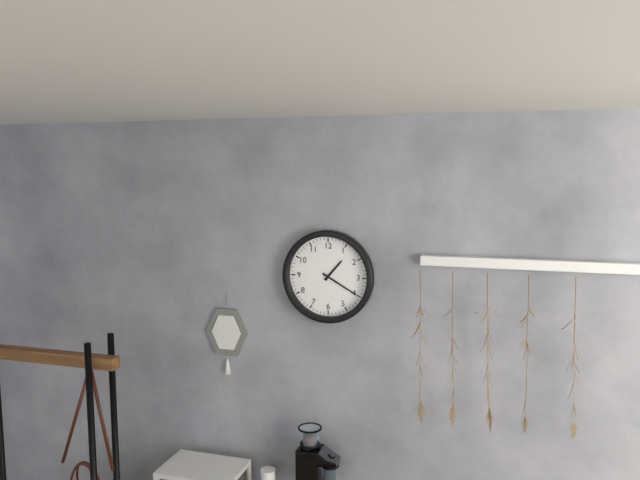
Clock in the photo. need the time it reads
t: 1:20
